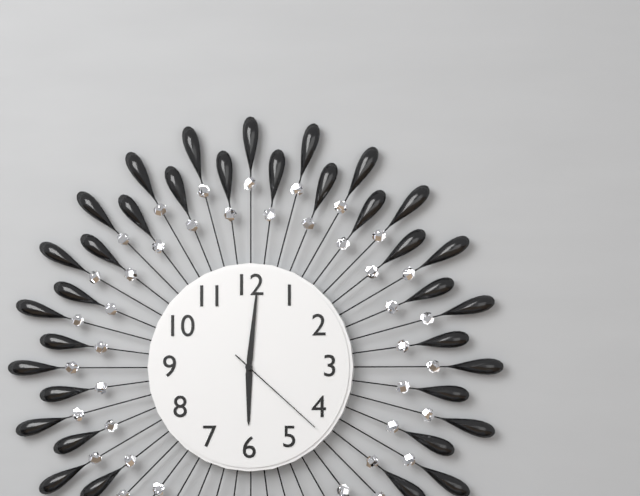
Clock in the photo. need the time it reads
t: 6:01:22
